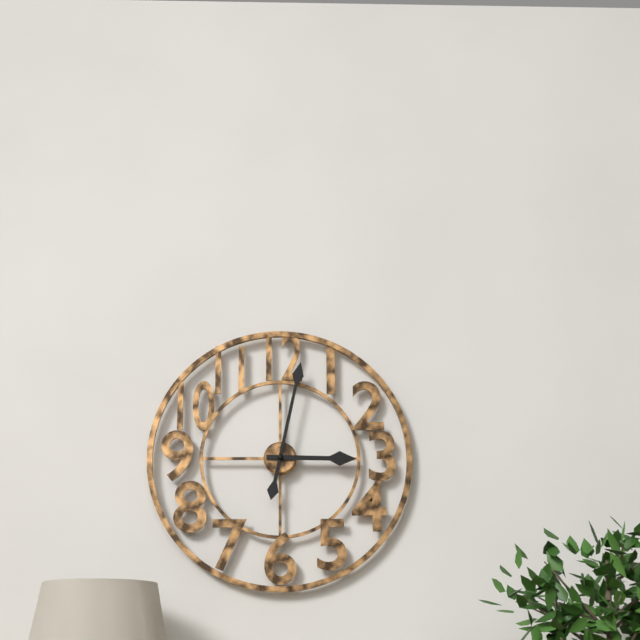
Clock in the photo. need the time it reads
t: 3:02
